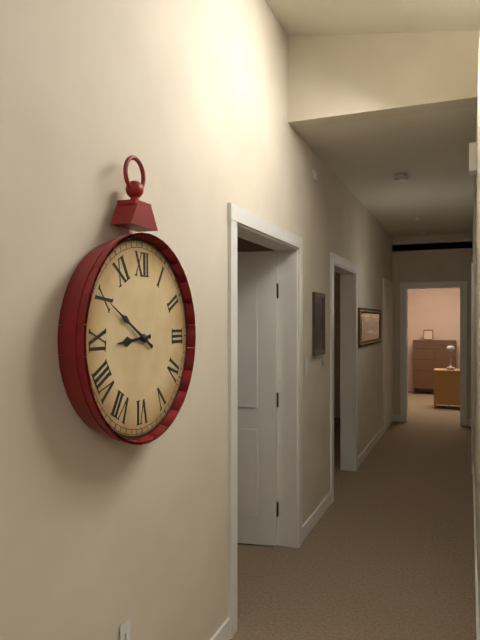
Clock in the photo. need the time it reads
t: 8:50
